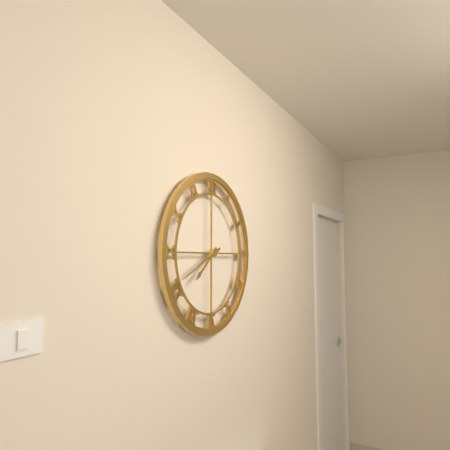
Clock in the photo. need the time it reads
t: 7:41
